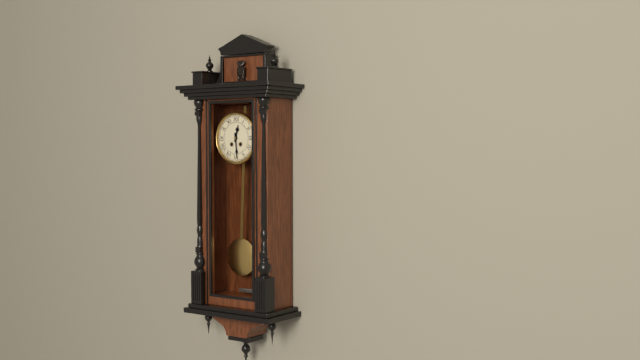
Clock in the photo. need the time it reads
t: 12:29
